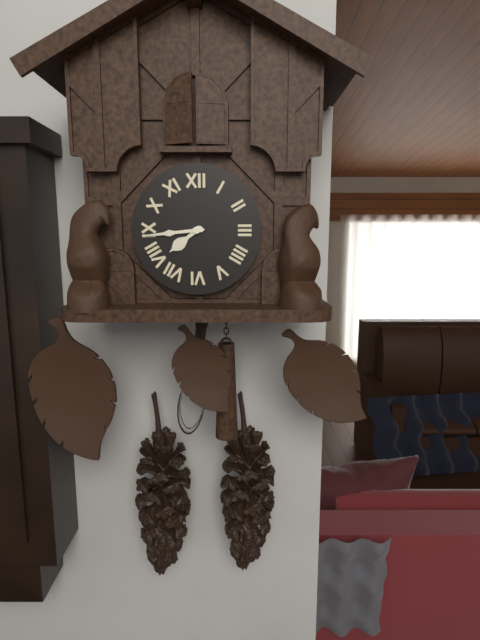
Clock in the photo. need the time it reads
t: 7:44
